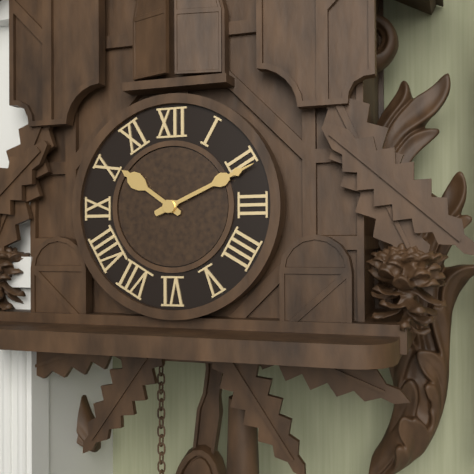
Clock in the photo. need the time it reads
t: 10:11
